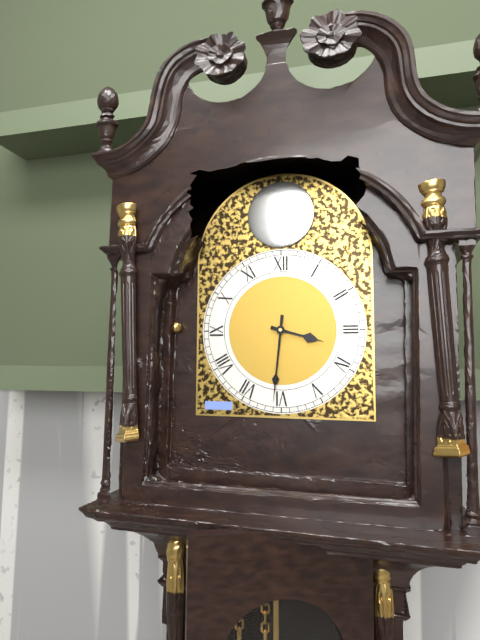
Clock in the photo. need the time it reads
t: 3:31
